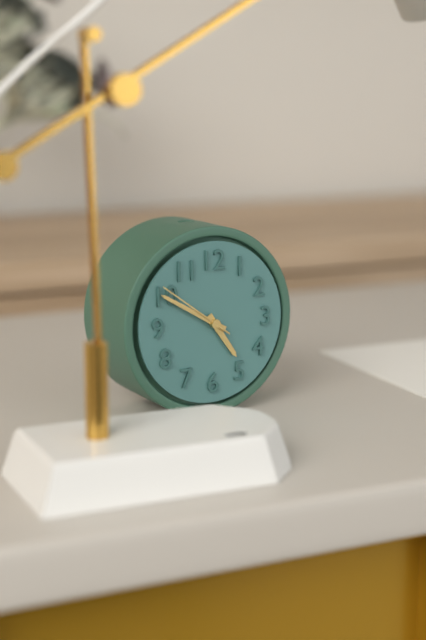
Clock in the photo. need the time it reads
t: 4:50:51
